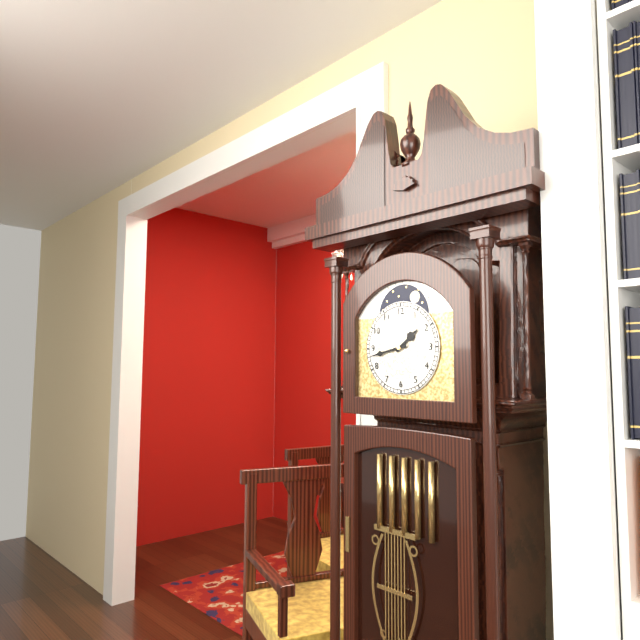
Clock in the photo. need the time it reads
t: 1:43
